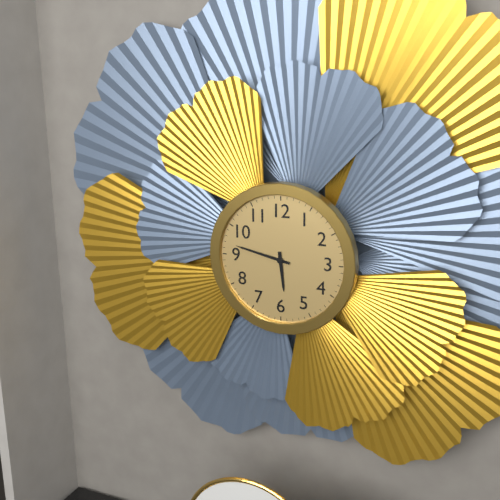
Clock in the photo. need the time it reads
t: 5:47
